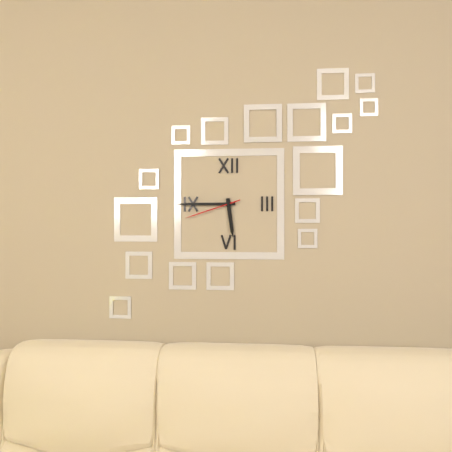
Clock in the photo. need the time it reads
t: 5:45:42
